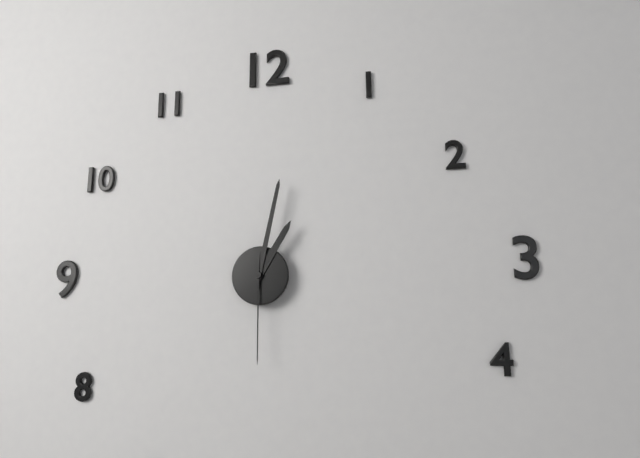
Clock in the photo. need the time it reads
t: 1:02:30
